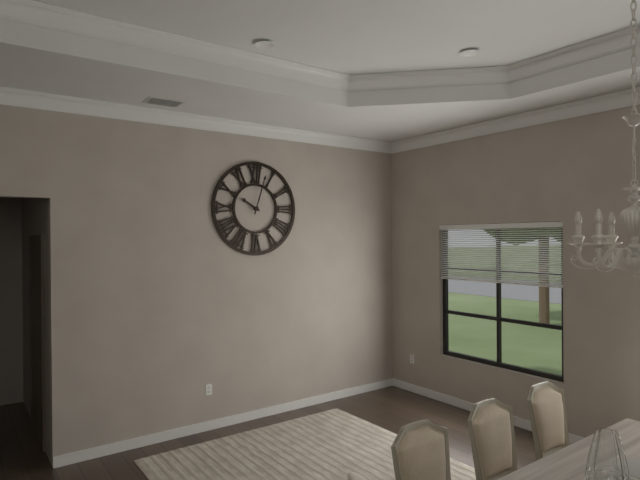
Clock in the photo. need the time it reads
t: 10:03
